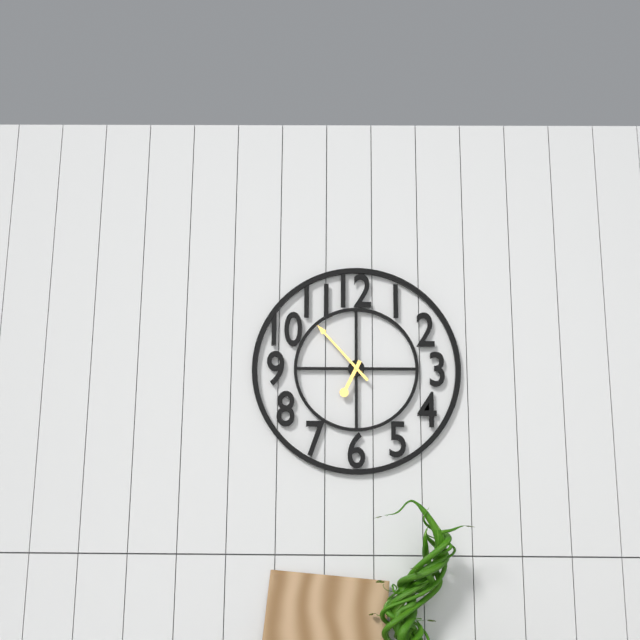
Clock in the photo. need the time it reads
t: 6:53
